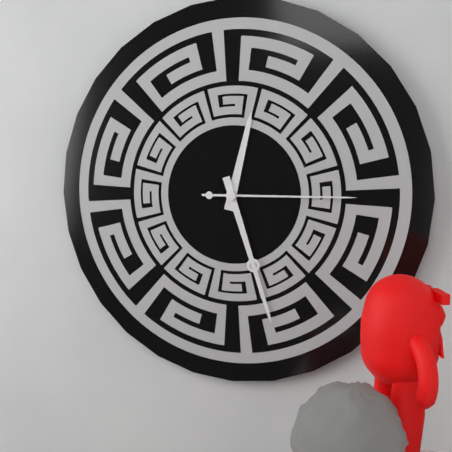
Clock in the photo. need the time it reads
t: 12:27:15
